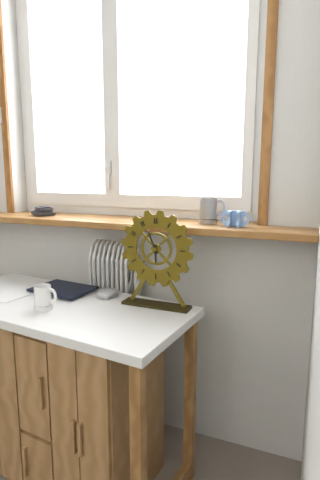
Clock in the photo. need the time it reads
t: 5:56
